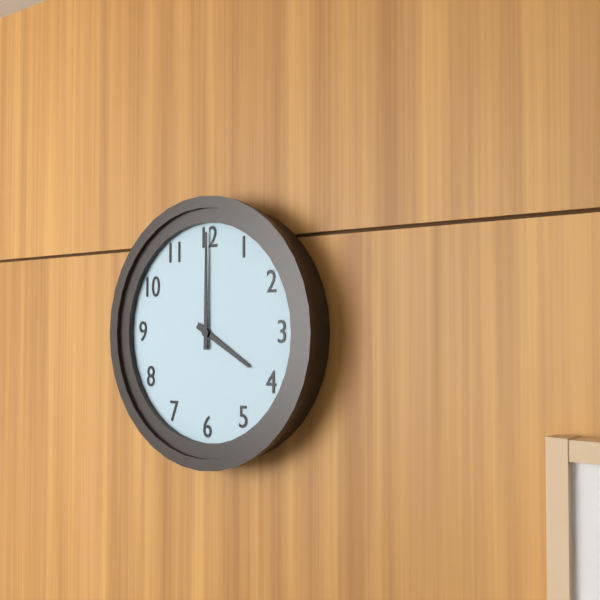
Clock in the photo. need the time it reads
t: 4:00
